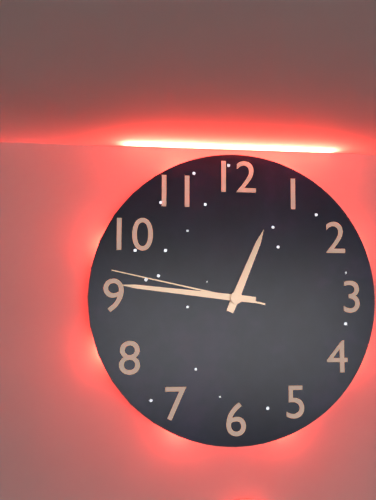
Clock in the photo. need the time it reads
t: 12:46:47
